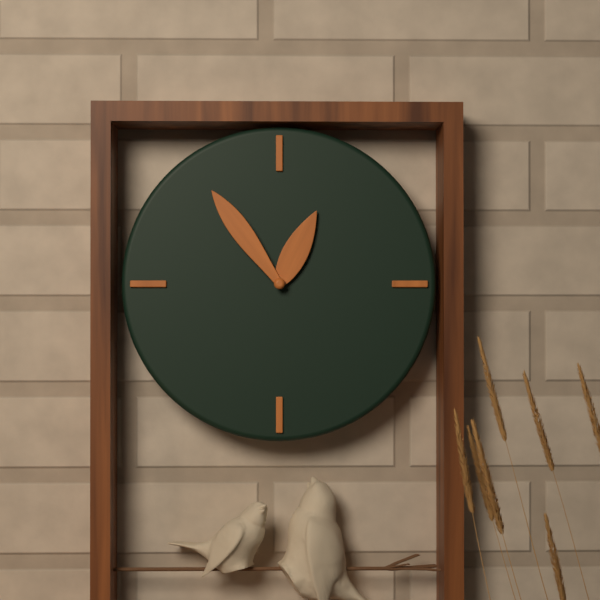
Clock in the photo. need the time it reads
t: 12:54
